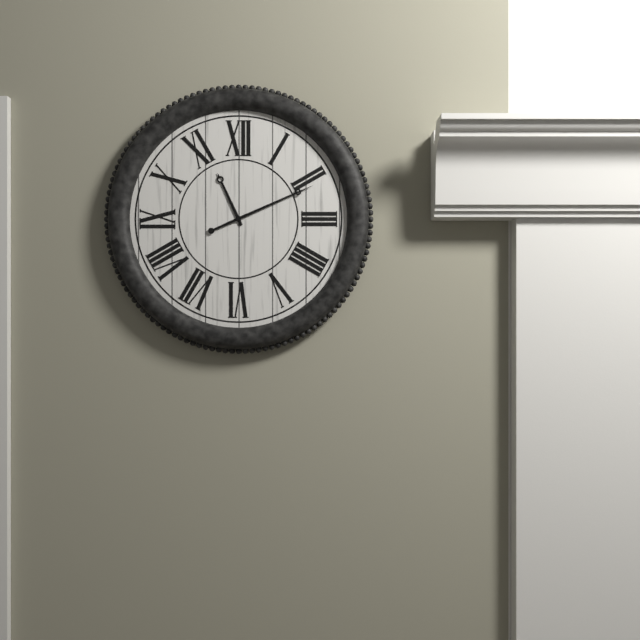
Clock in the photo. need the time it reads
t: 11:11
